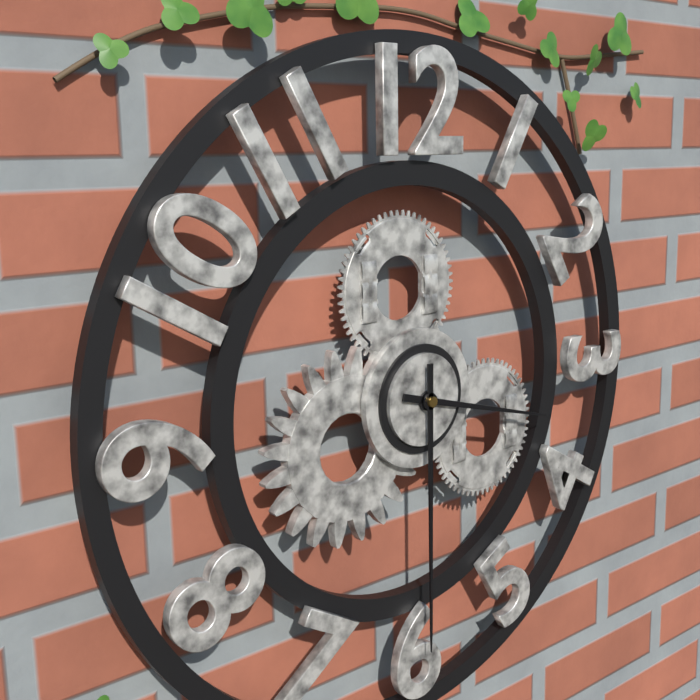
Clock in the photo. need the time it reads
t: 3:30
